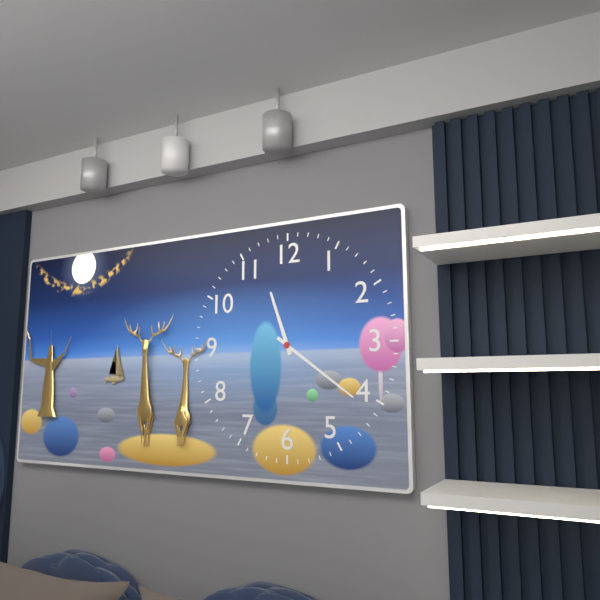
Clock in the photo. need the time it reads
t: 11:21
